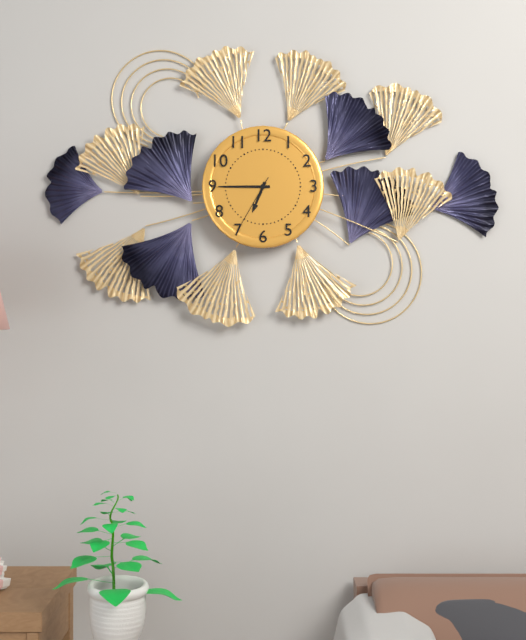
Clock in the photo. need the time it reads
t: 6:45:35
